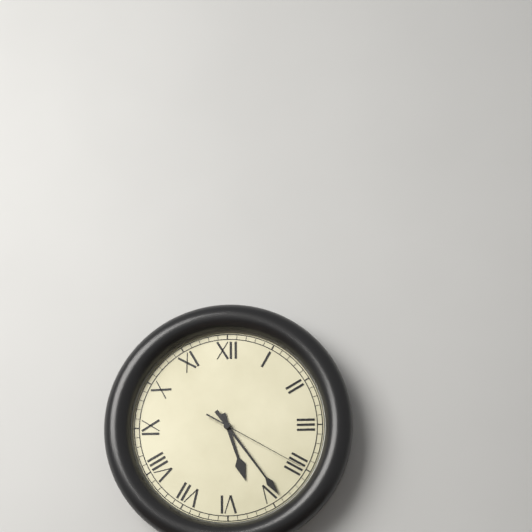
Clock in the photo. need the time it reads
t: 5:24:20
